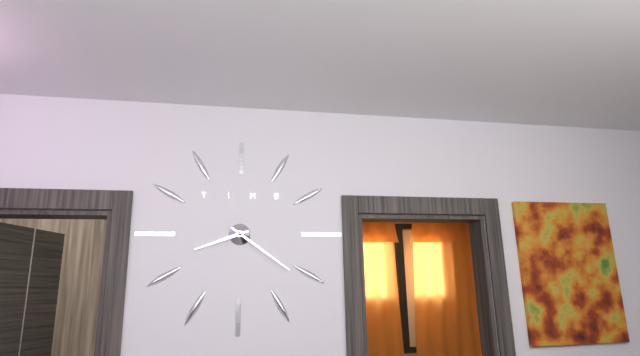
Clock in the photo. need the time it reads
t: 8:21
